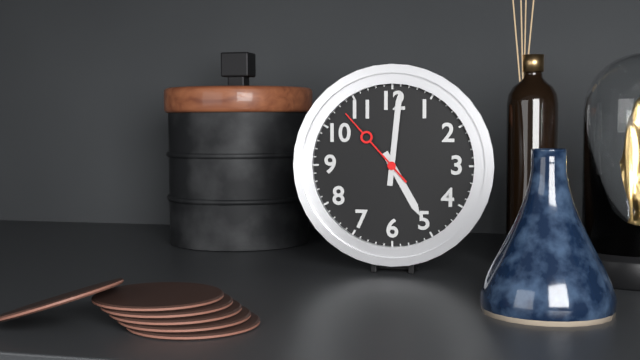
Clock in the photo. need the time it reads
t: 5:01:53
